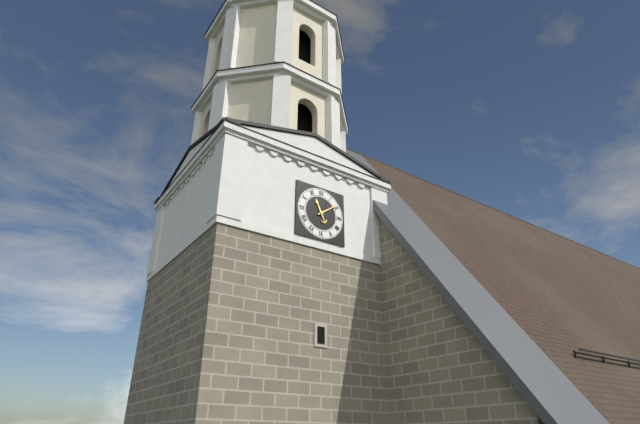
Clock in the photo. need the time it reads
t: 11:09
